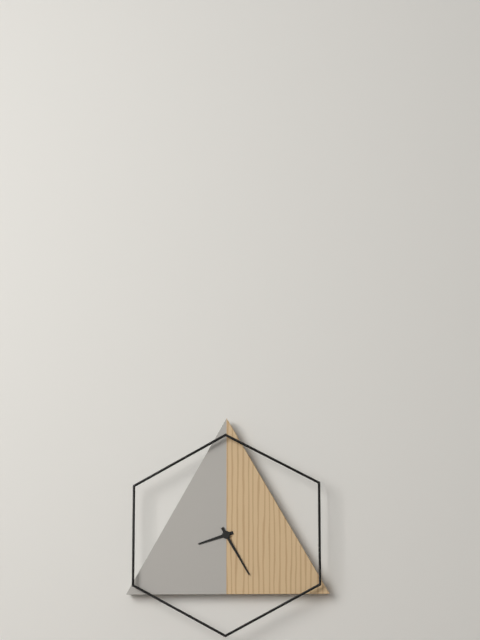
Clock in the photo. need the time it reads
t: 8:25
